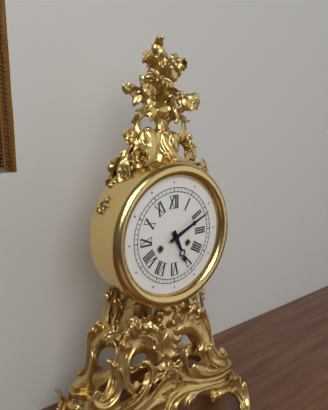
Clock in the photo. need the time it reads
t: 5:11
